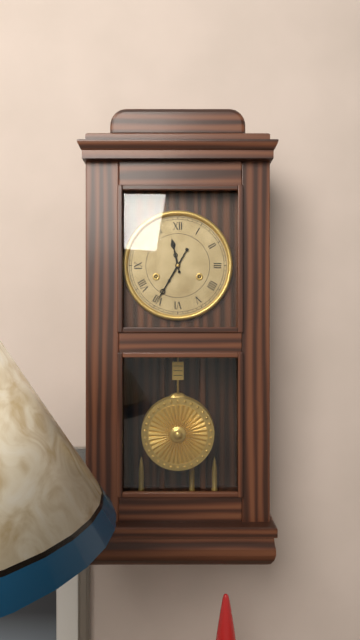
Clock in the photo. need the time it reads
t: 11:35
